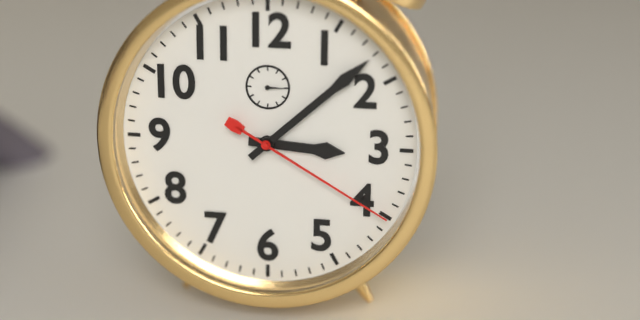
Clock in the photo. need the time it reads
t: 3:08:20
